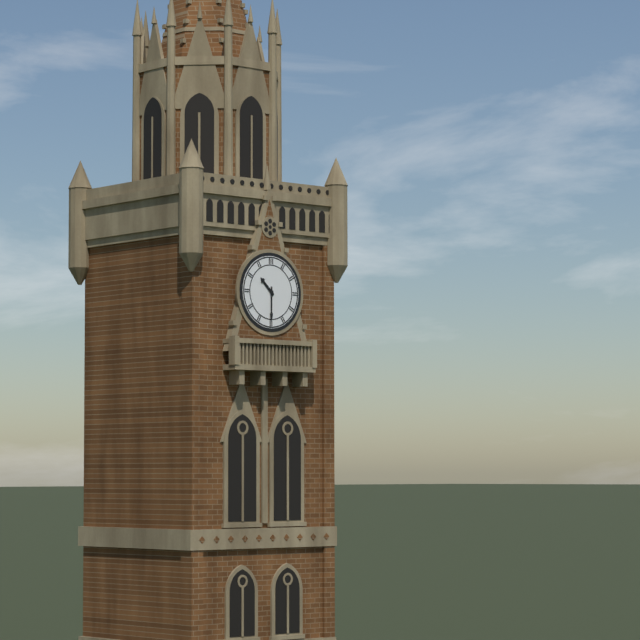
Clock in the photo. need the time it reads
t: 10:30
